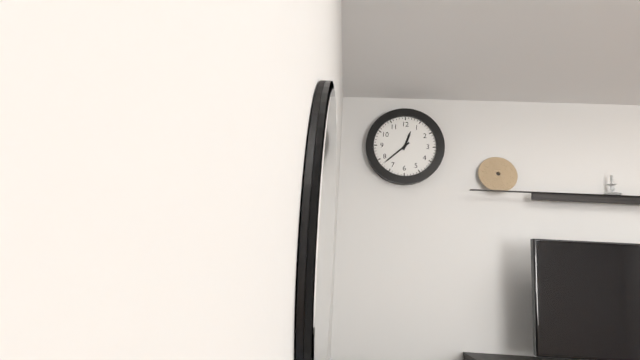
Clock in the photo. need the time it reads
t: 12:38
